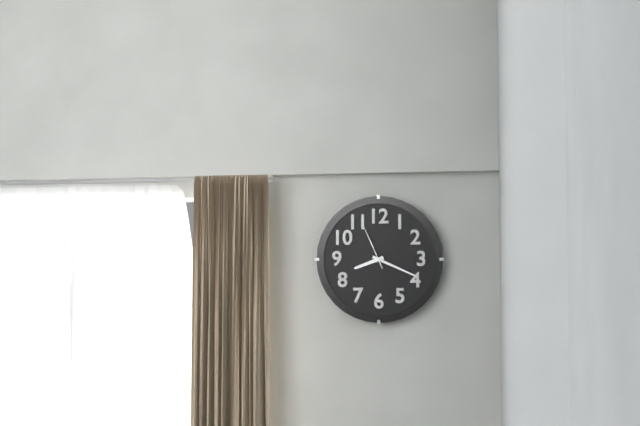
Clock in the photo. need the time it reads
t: 8:19
